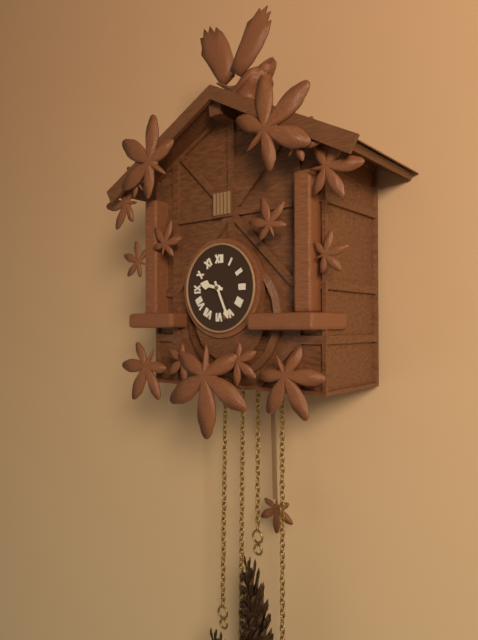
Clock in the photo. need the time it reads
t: 9:26
